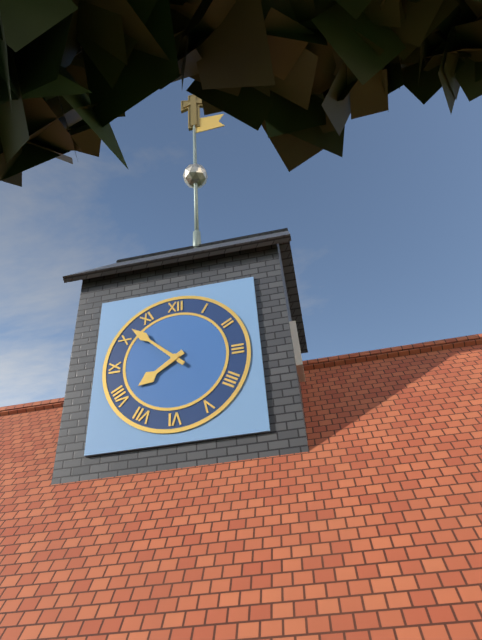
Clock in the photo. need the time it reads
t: 7:52
